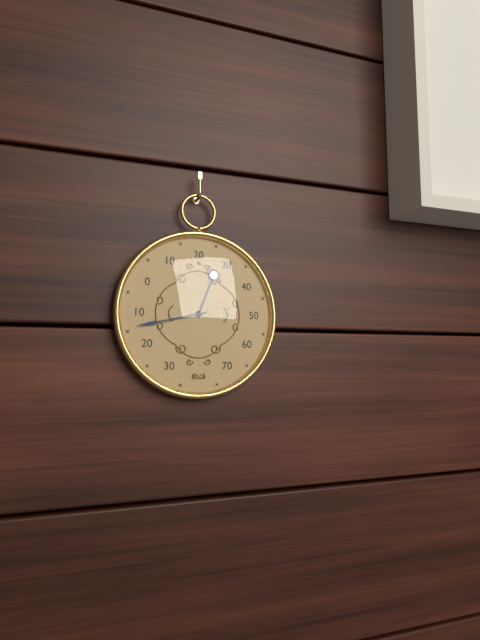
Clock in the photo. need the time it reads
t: 12:43
